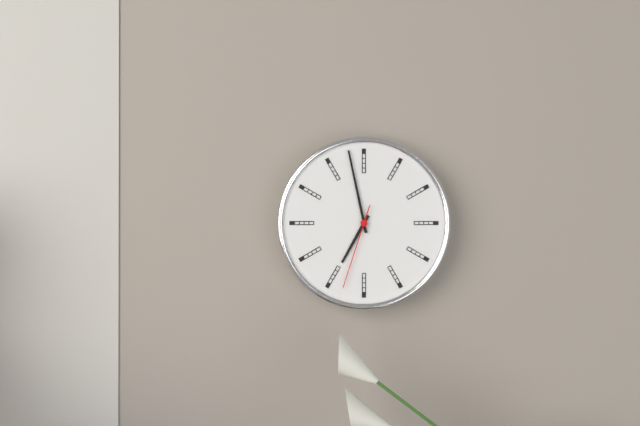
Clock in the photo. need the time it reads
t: 6:58:33
